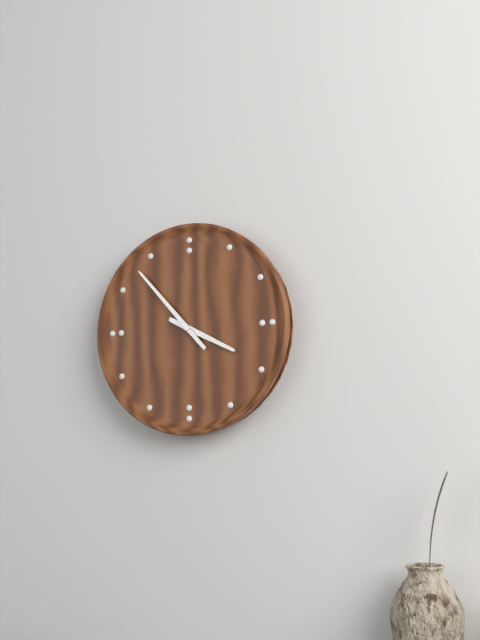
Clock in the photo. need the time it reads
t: 3:53
